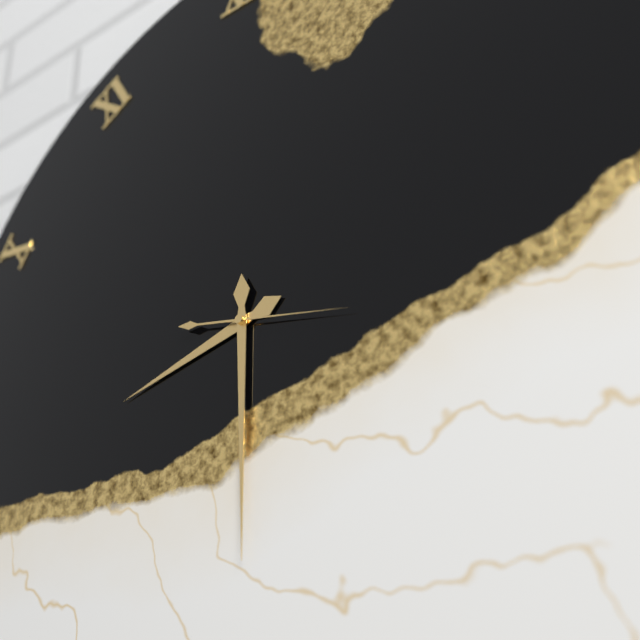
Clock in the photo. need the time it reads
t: 8:30:17
